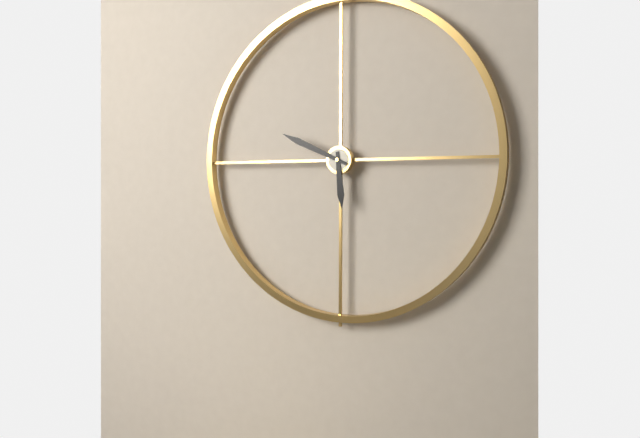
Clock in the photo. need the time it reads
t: 5:49
